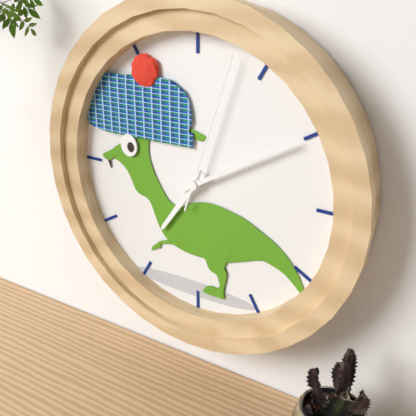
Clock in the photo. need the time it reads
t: 7:10:03
